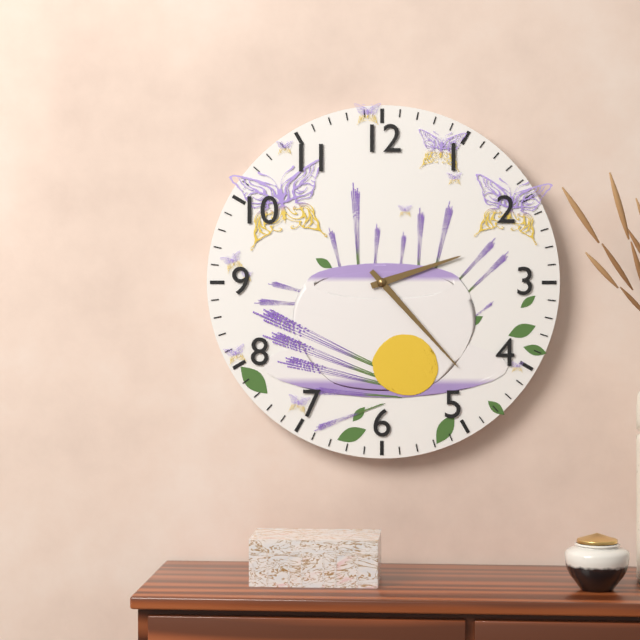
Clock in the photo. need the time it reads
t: 2:23
